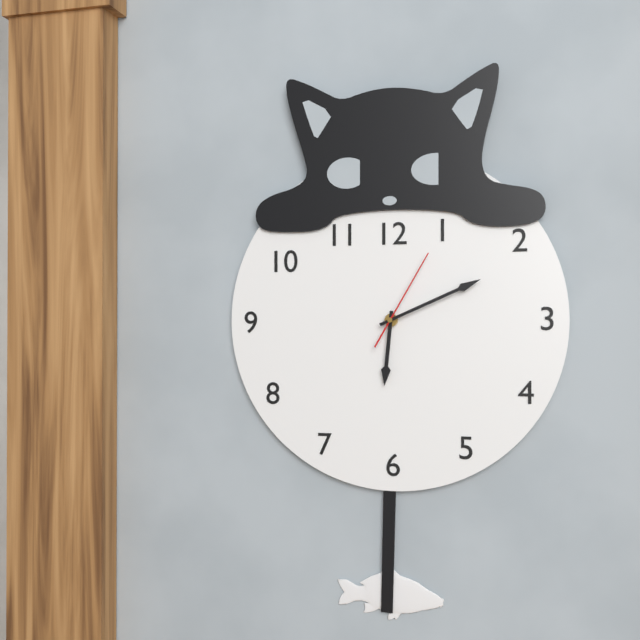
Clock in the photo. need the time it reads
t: 6:11:05
